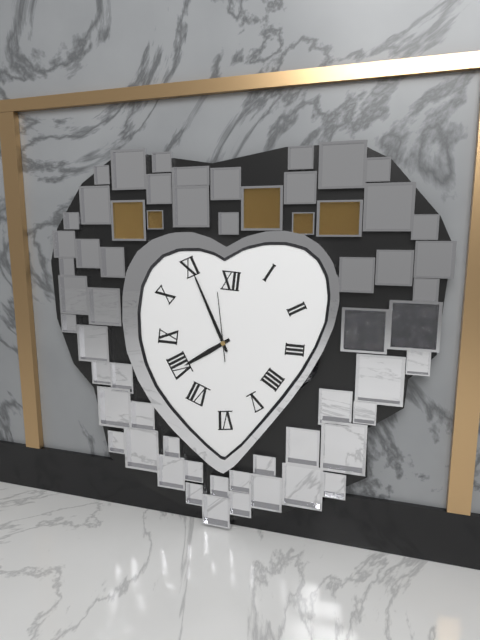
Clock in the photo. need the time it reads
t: 7:56:59
